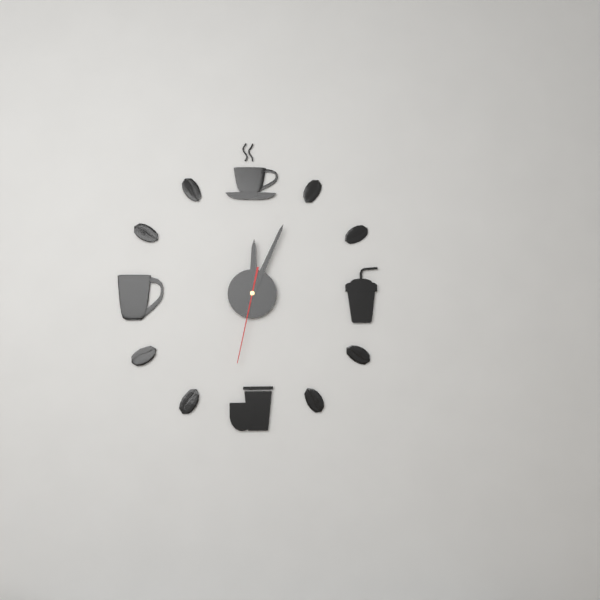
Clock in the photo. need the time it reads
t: 12:04:32
